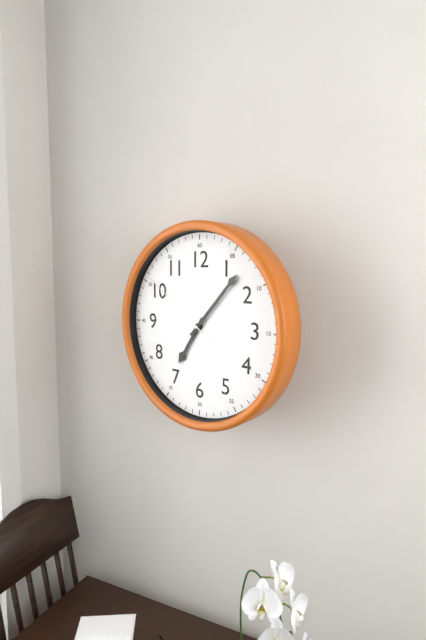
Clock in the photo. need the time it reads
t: 7:07:51
